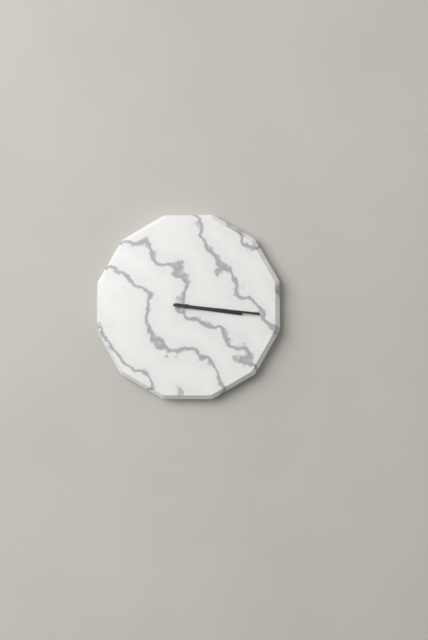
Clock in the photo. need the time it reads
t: 3:16
